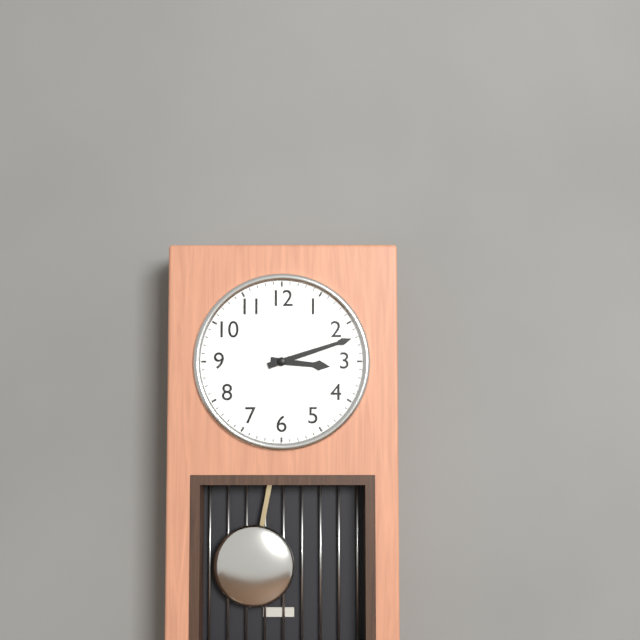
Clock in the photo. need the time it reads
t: 3:12
